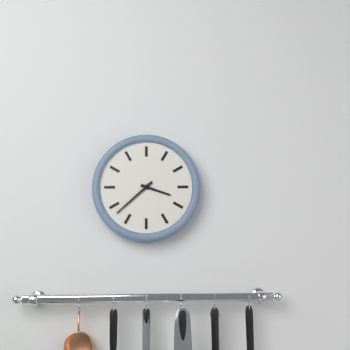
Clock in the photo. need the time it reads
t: 3:38
